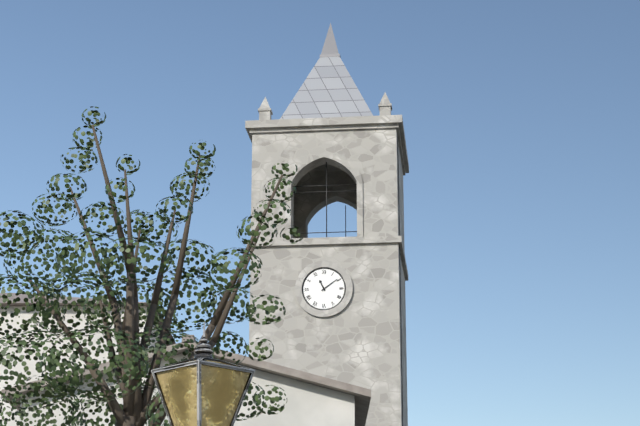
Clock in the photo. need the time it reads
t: 11:09
